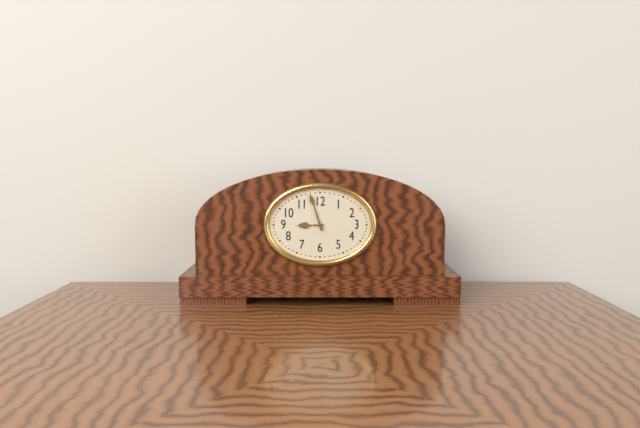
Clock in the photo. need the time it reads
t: 8:57
